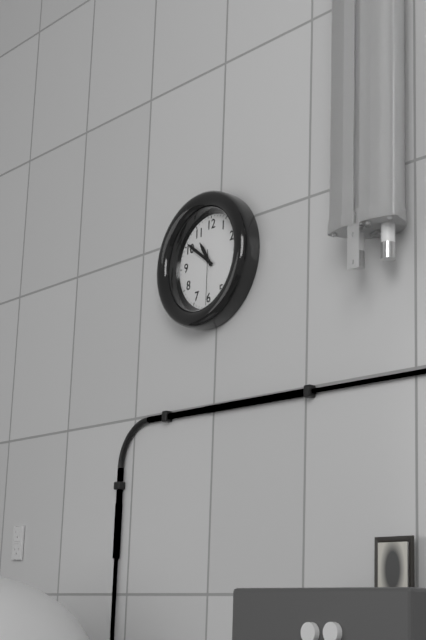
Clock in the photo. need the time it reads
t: 10:51:30
